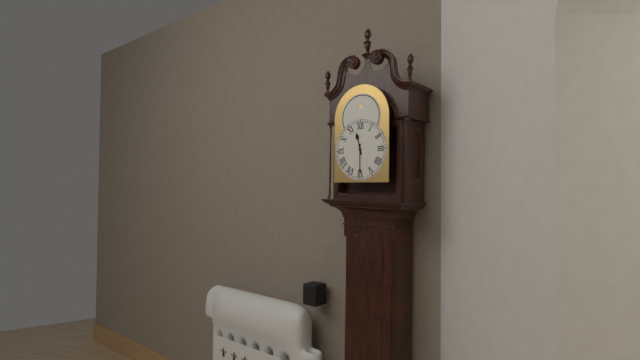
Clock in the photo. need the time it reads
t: 11:30
